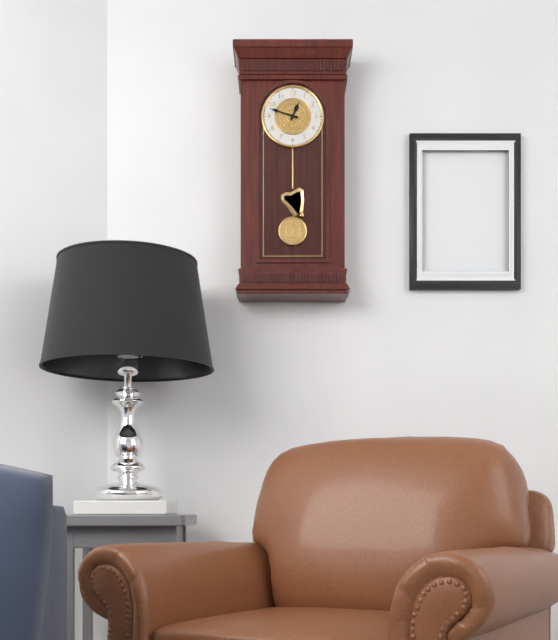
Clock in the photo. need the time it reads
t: 12:48
